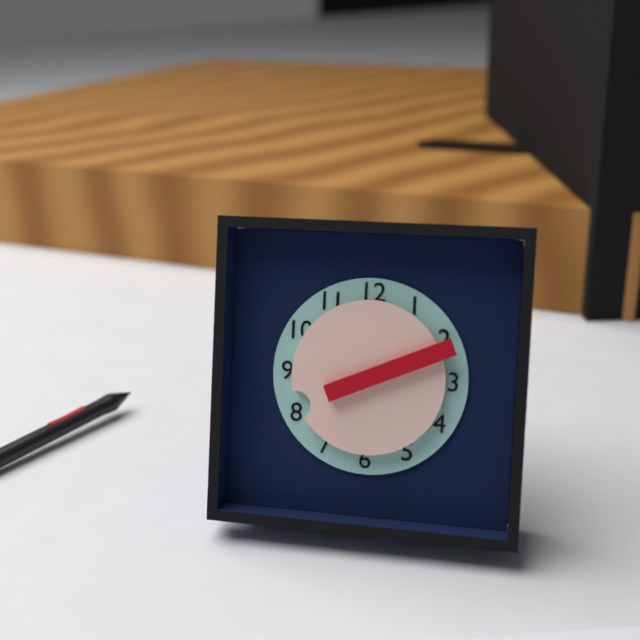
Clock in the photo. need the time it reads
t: 8:11
